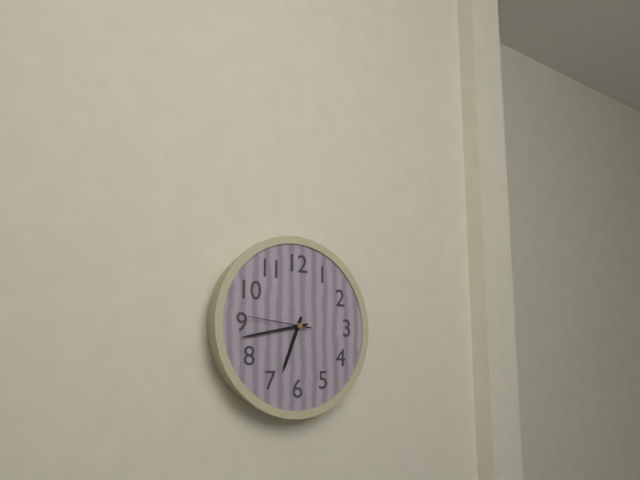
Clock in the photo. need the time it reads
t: 6:43:46
